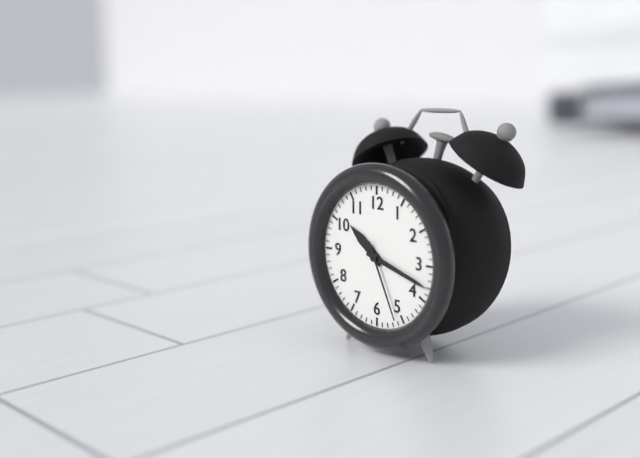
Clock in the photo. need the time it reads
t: 10:18:26
